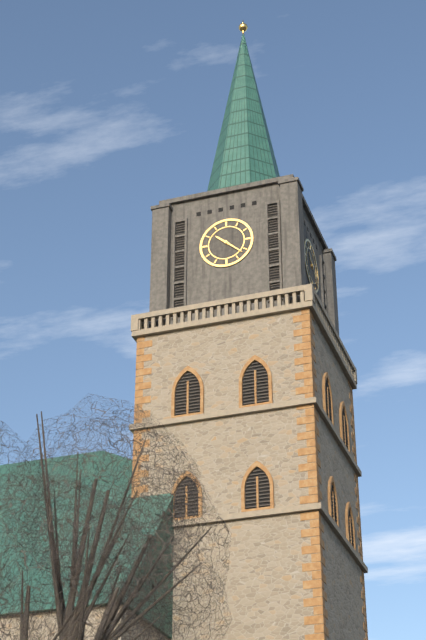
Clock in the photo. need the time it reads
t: 10:22
